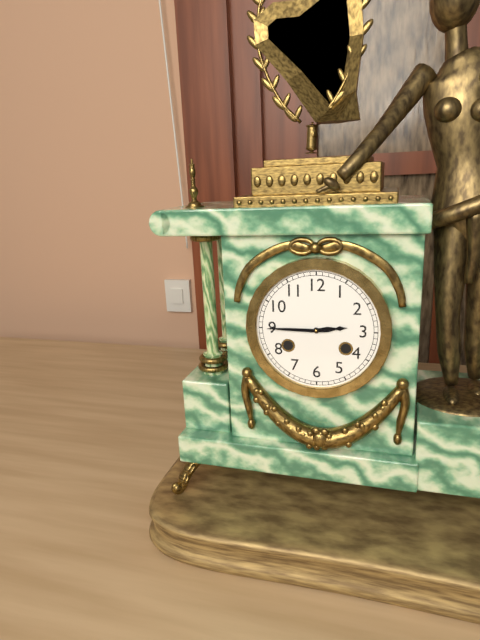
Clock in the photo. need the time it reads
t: 2:45
